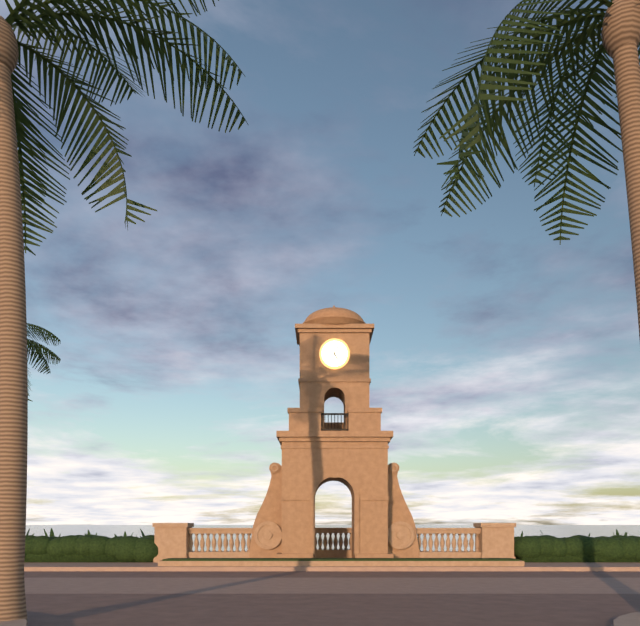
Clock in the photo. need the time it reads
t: 5:04
